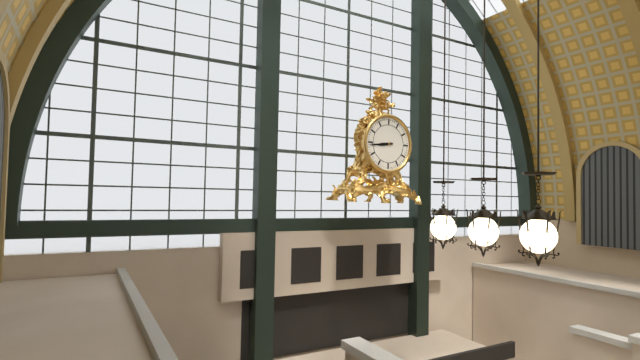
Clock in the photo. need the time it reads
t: 8:44
